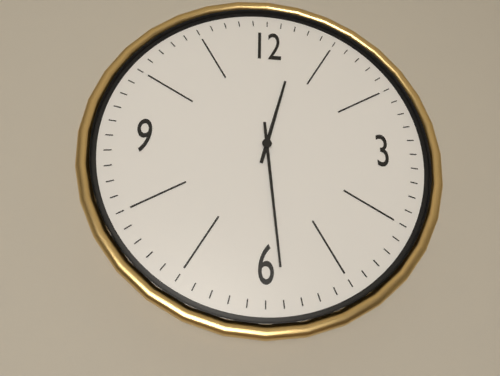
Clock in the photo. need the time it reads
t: 12:29
